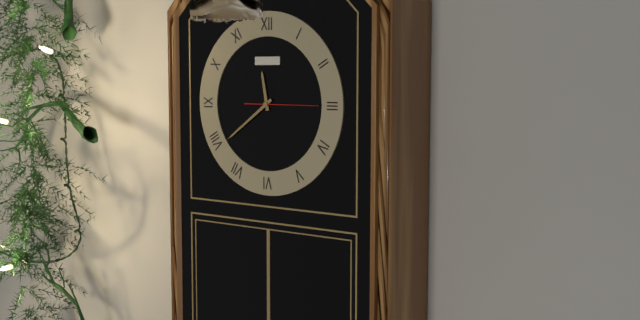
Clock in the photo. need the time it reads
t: 11:39:15
